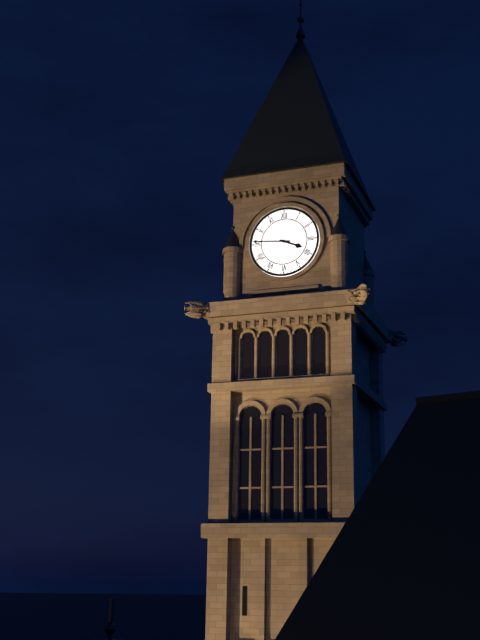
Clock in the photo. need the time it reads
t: 3:46
